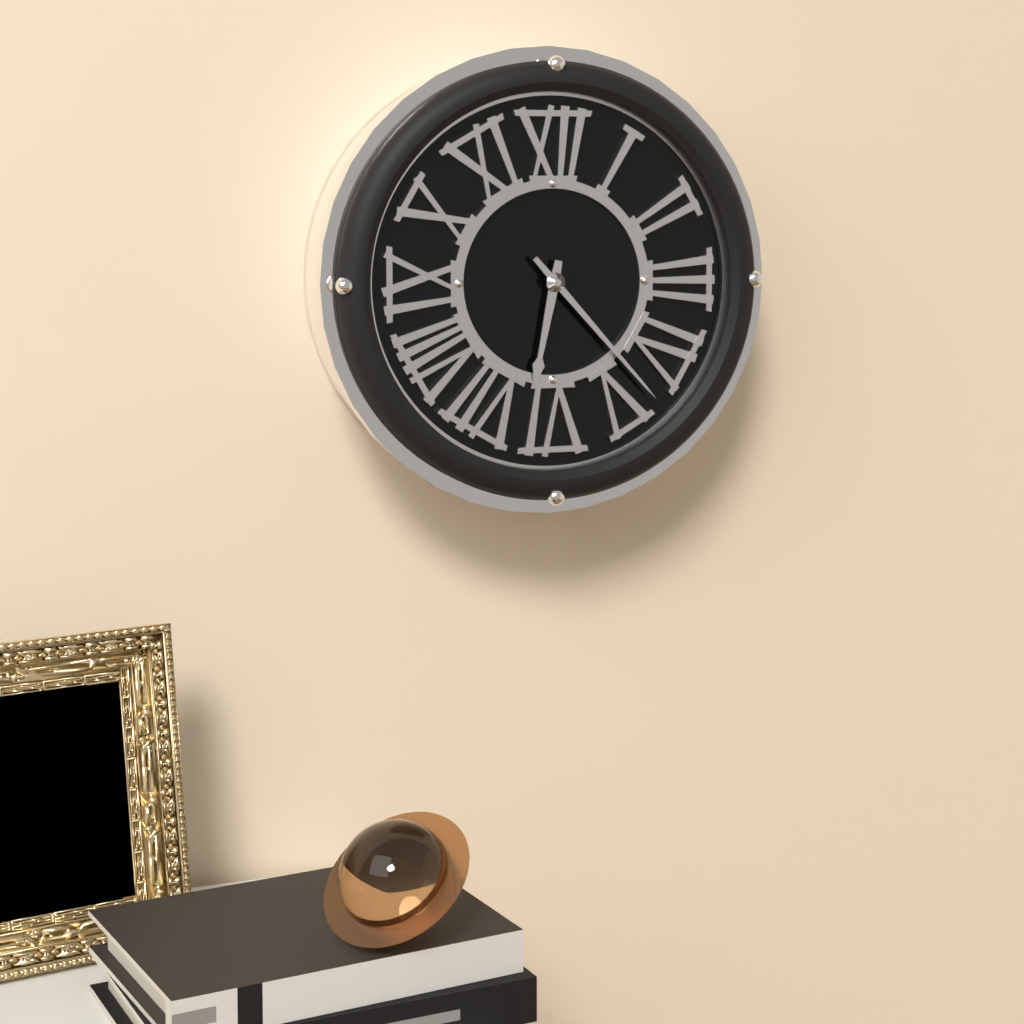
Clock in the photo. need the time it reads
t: 6:23
